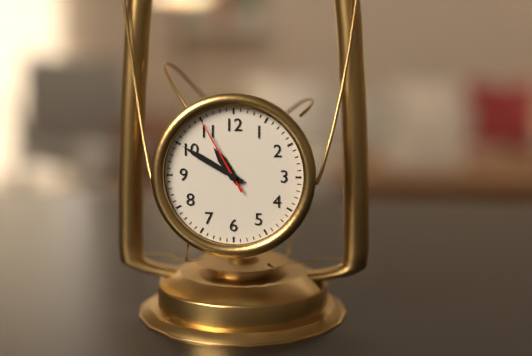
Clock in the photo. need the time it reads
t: 10:50:55
